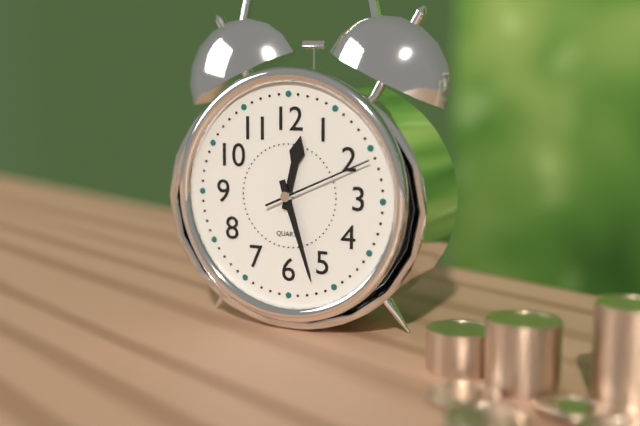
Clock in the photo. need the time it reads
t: 12:27:11
